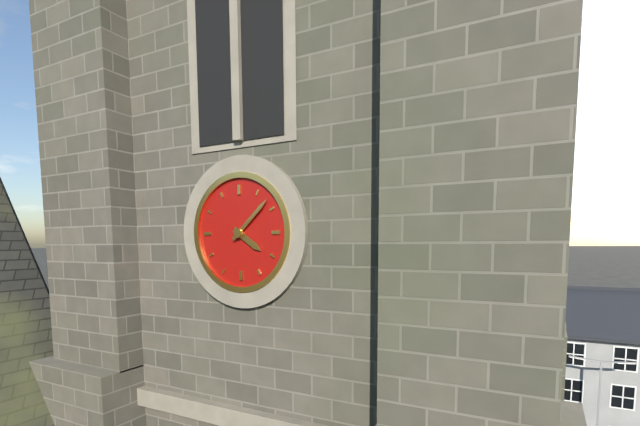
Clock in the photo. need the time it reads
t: 4:08
